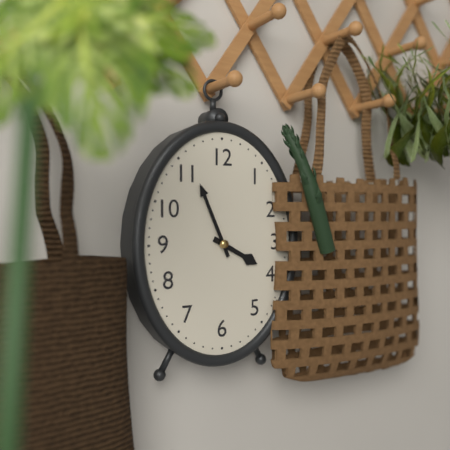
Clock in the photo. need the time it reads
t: 3:56
